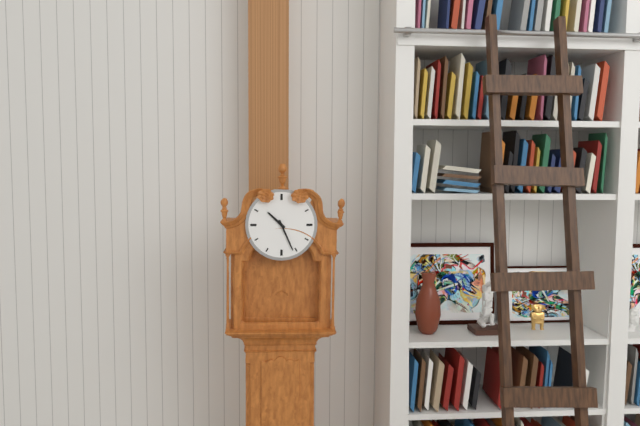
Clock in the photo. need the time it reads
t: 10:26
